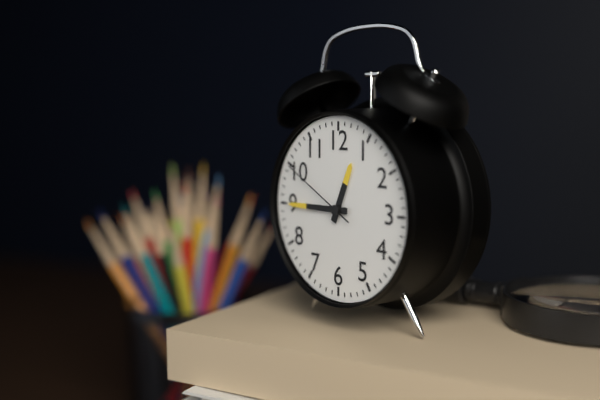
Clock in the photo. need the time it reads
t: 12:45:50
